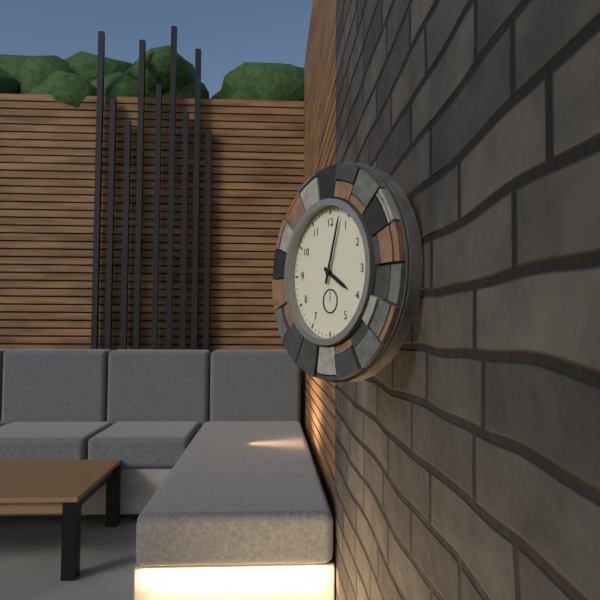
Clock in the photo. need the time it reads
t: 4:03
